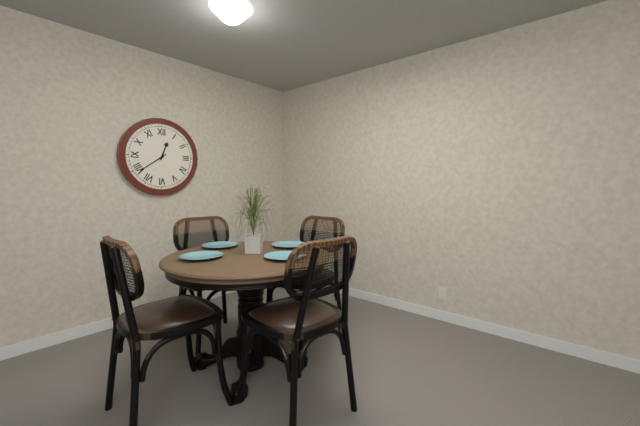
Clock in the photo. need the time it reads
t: 12:39
